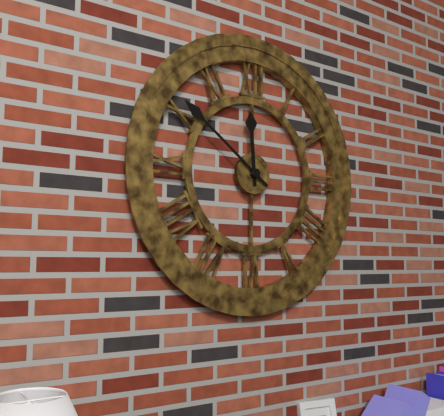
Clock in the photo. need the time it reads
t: 11:51
